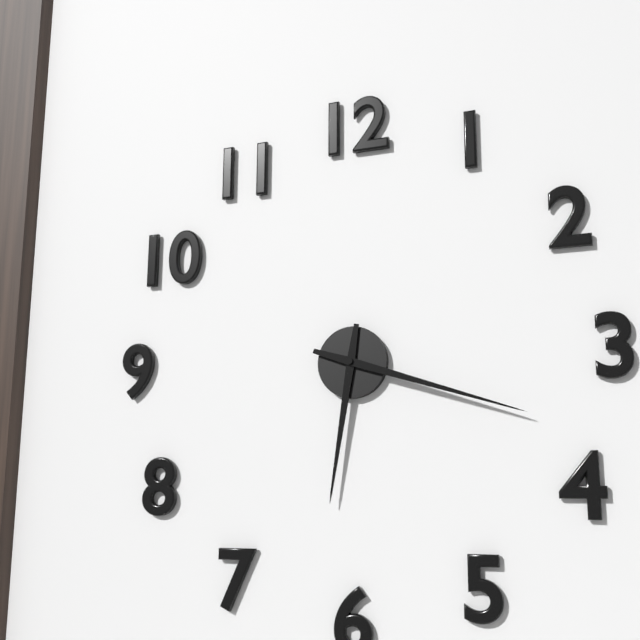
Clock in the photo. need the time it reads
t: 6:18
